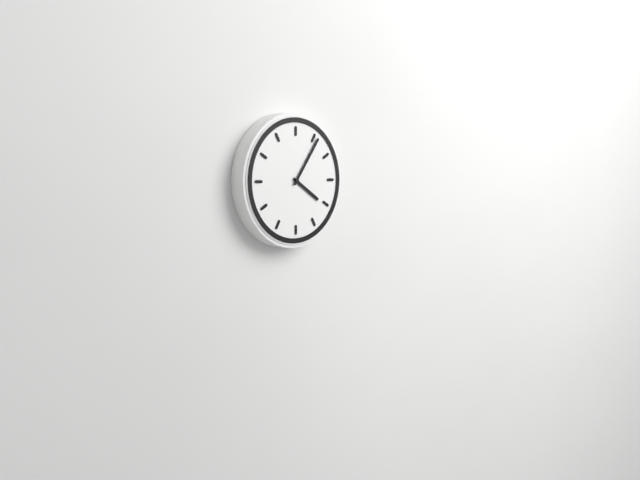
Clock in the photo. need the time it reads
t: 4:06
